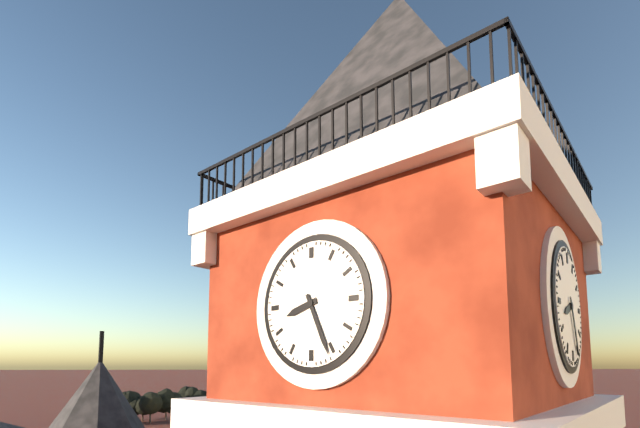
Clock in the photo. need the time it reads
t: 8:26
